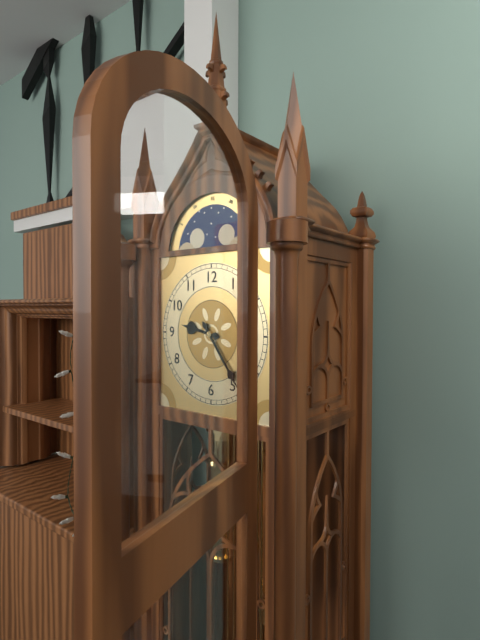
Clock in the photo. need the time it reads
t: 9:24
